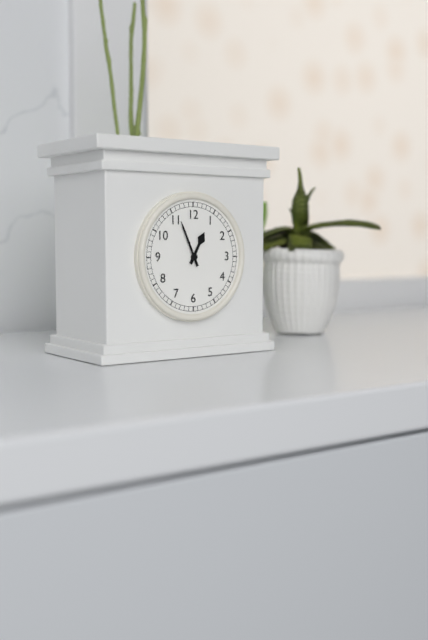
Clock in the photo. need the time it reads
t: 12:56
